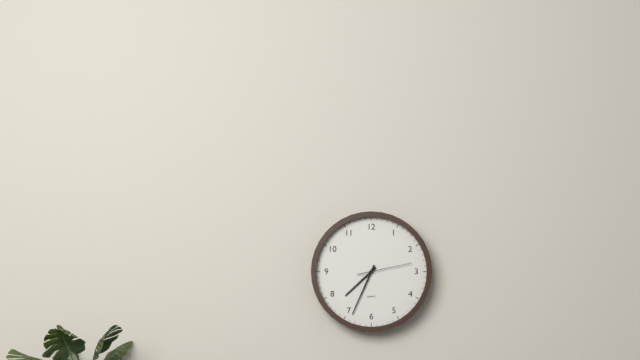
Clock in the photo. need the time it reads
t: 7:34:13
